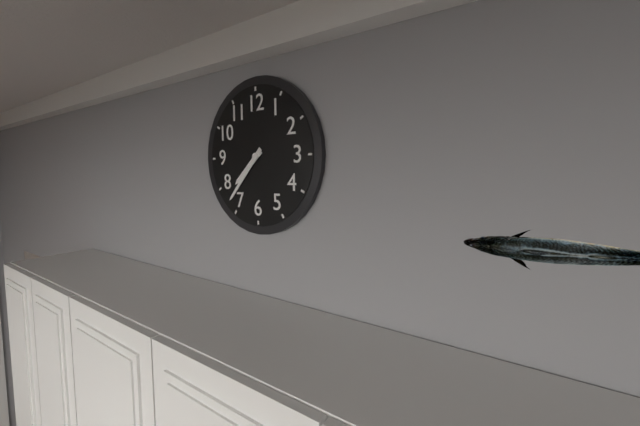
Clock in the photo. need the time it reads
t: 7:37
